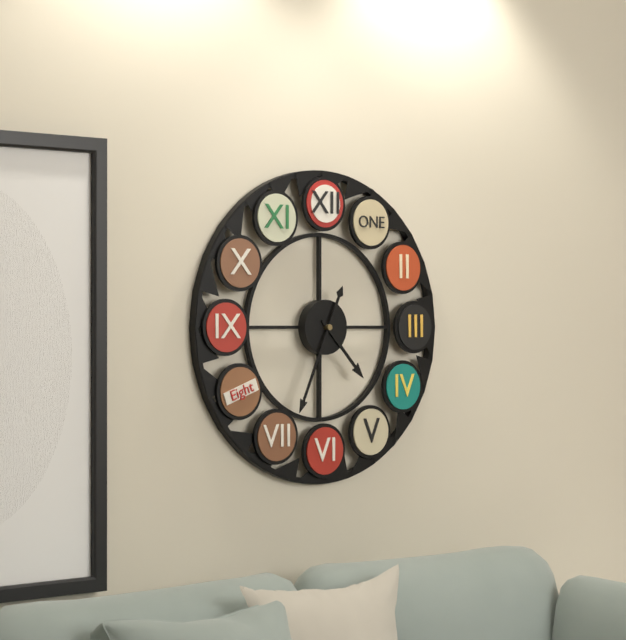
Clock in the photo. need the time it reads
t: 4:34
